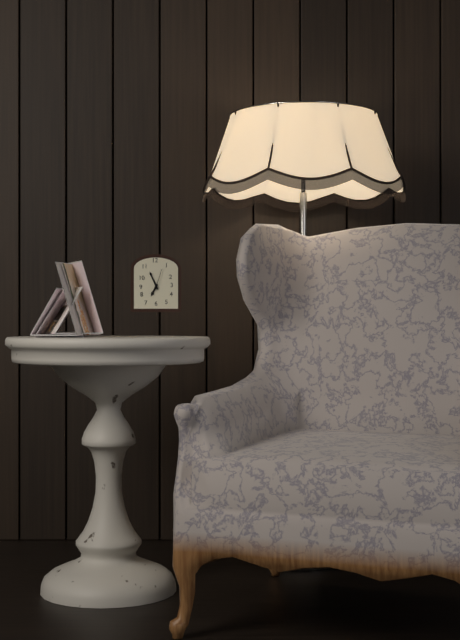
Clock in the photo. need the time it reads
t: 6:56
